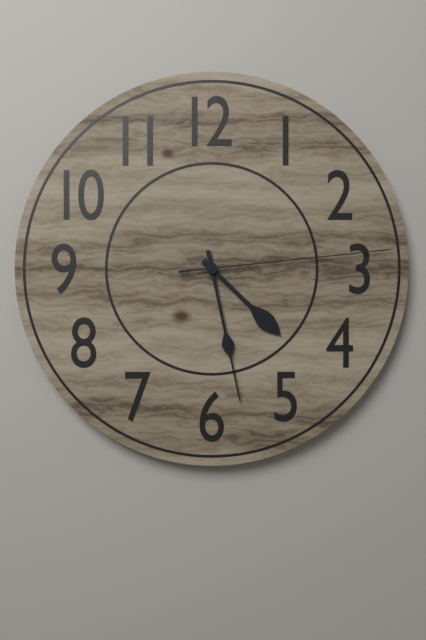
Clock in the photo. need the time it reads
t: 4:28:14
